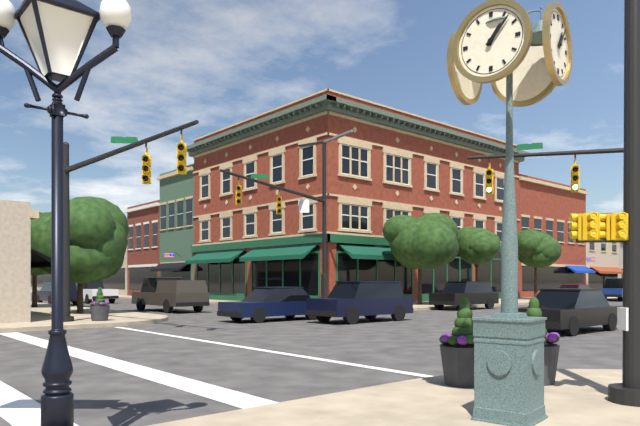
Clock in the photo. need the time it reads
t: 1:07
